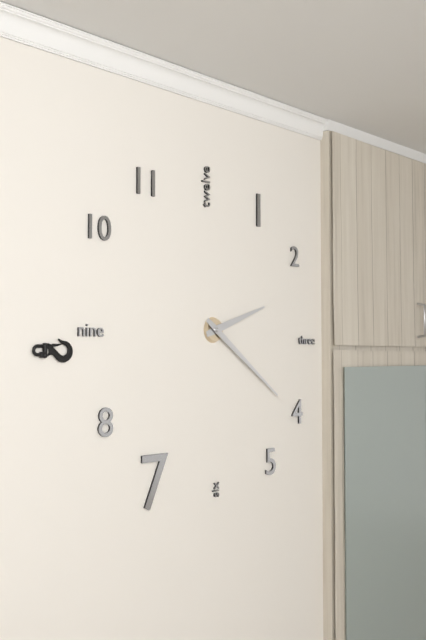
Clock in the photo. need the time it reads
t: 2:21
